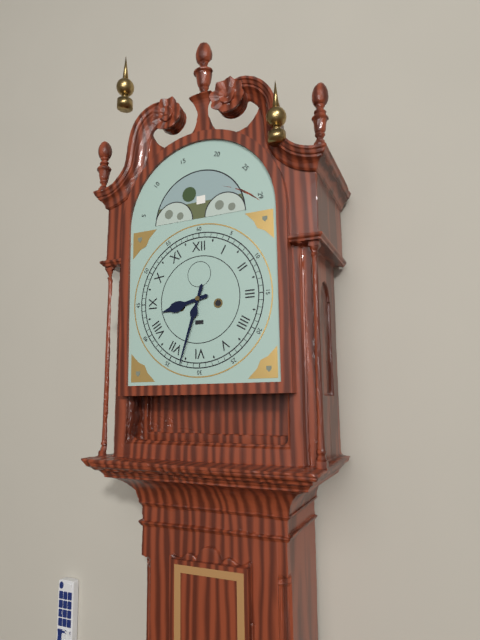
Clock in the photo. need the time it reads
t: 8:33
